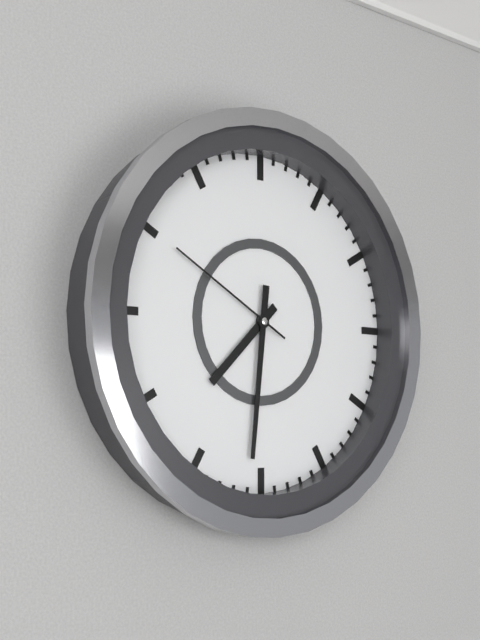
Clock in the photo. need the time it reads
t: 7:31:50
